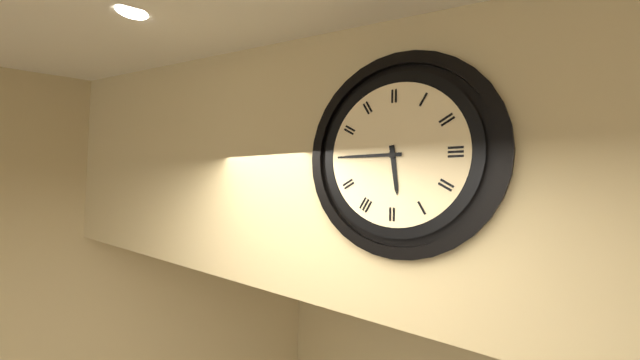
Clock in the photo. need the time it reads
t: 5:45
